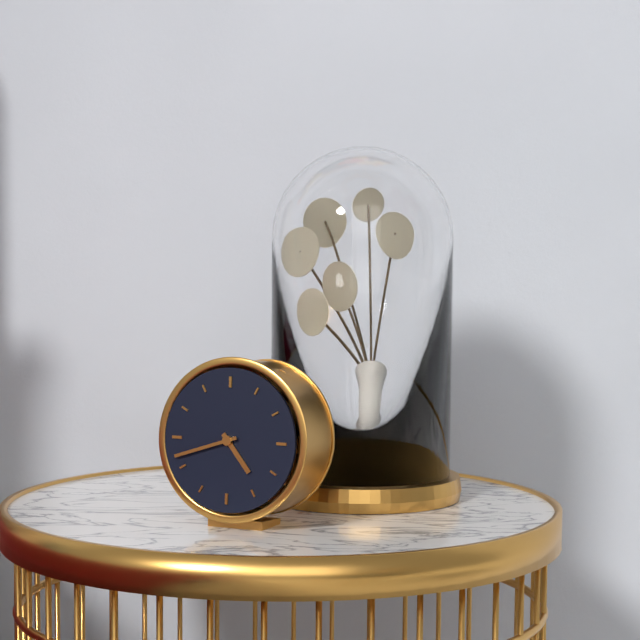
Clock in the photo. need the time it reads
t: 4:42
